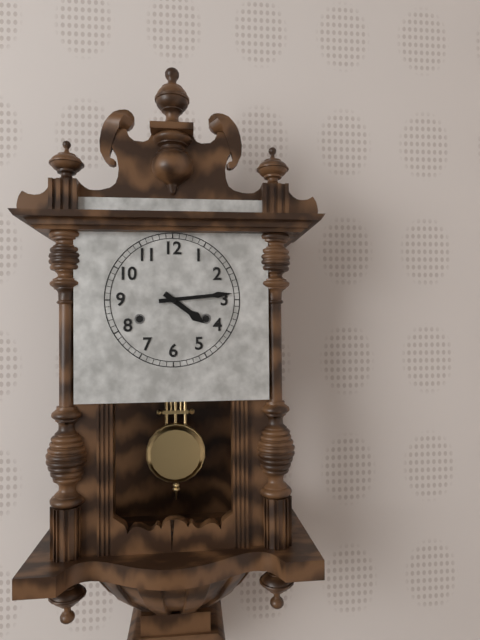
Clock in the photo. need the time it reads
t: 4:14
